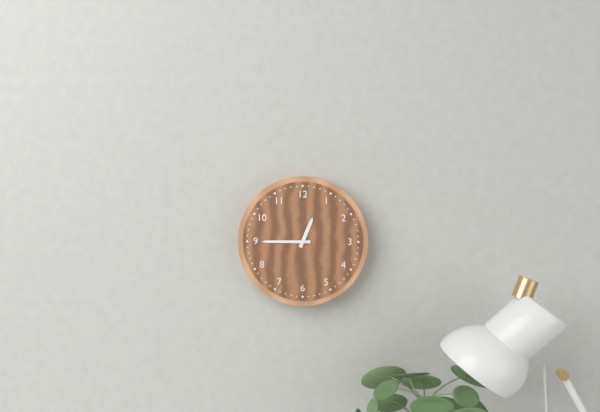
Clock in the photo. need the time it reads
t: 12:45
